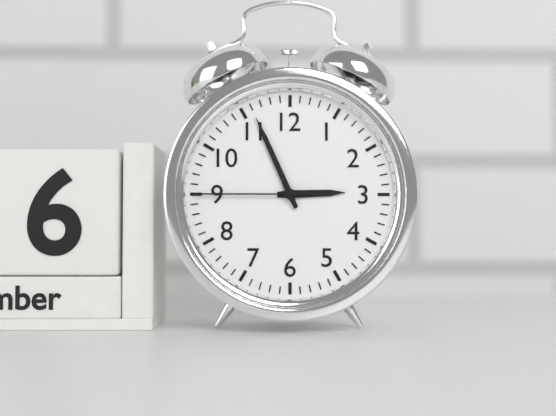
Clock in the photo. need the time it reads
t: 2:56:45
